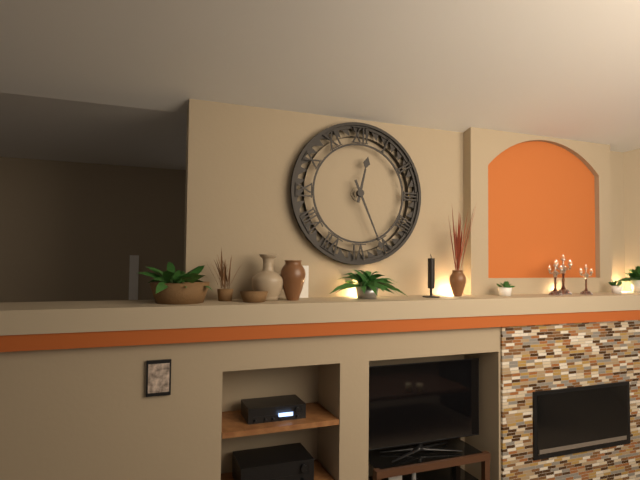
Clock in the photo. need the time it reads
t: 12:26
